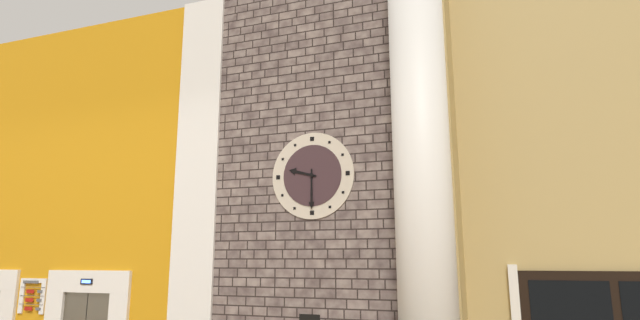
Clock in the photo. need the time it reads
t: 9:30
